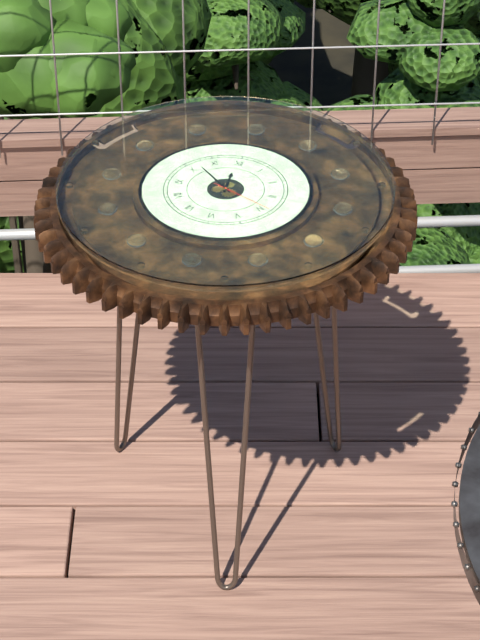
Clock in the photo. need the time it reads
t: 11:52:19
